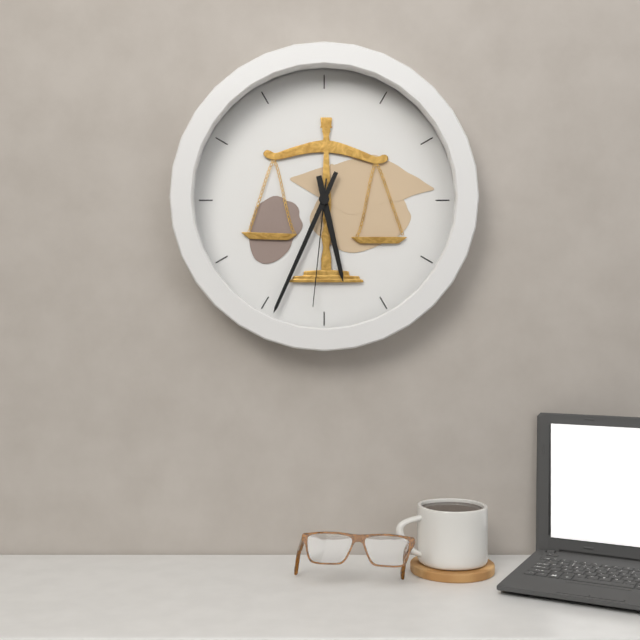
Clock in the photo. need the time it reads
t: 5:34:31
